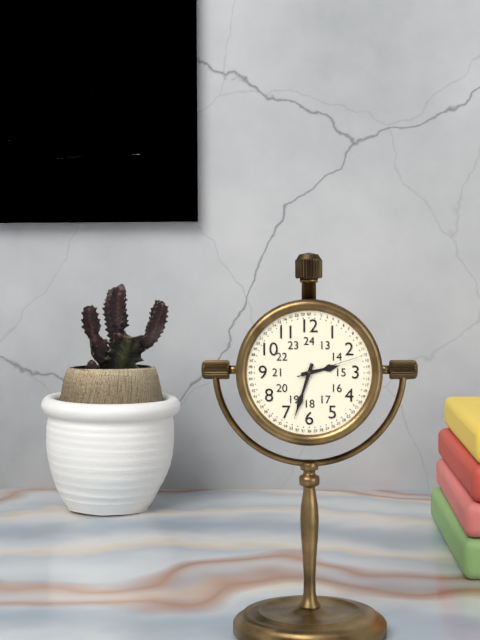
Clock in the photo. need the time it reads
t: 2:33:12
